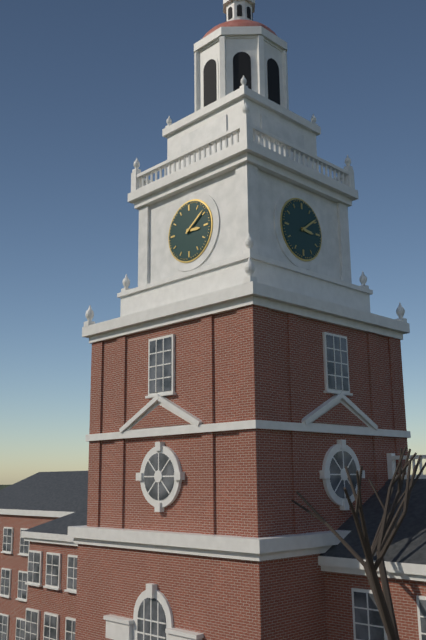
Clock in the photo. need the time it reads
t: 3:09
